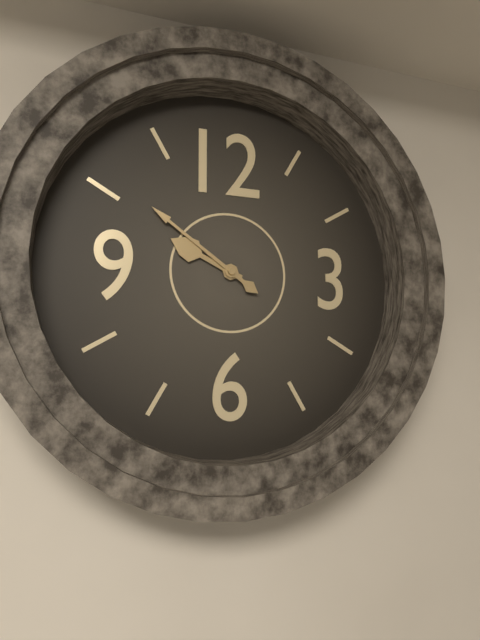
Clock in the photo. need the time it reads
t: 9:51
